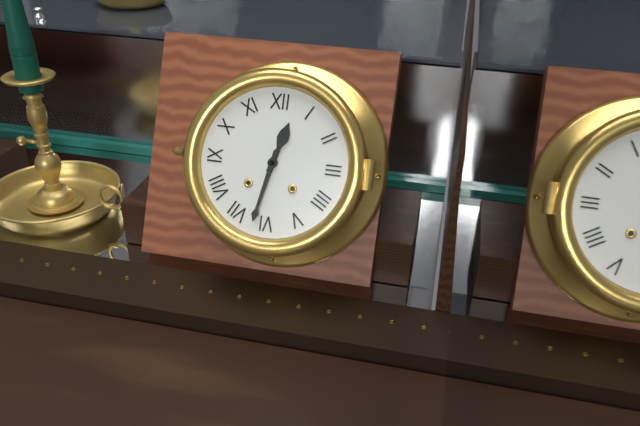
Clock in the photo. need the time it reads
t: 12:32
